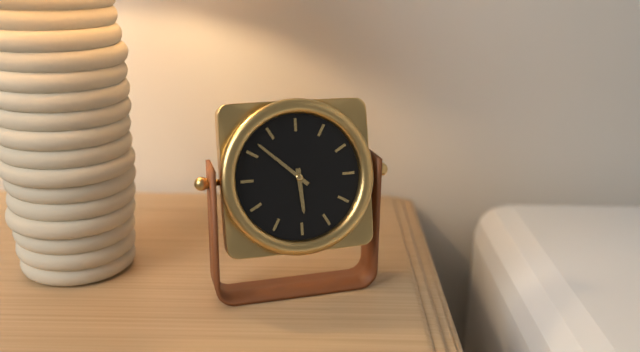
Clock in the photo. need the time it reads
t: 5:52
